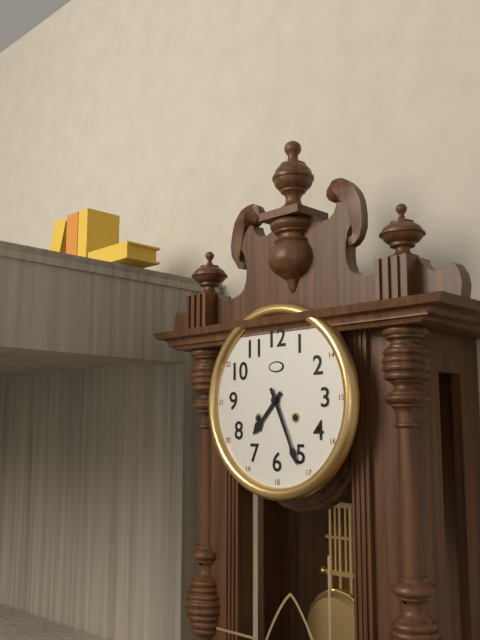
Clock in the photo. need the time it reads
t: 7:26
